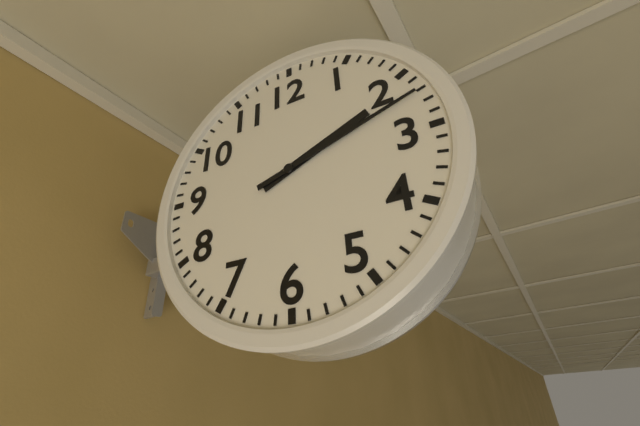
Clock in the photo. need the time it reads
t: 2:12
